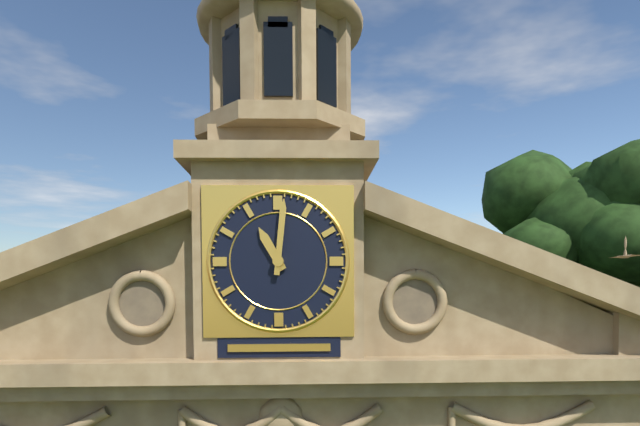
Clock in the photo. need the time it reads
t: 11:01
